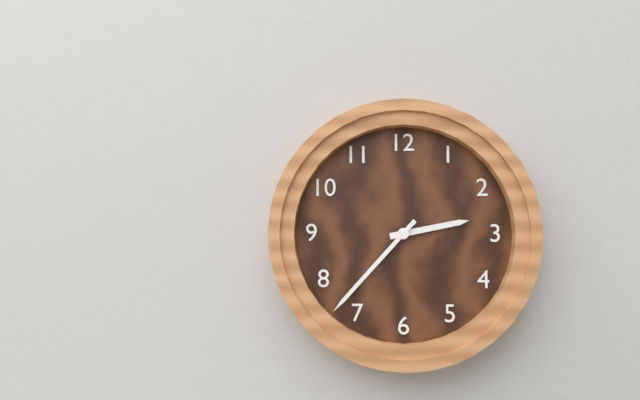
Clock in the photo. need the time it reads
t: 2:37
